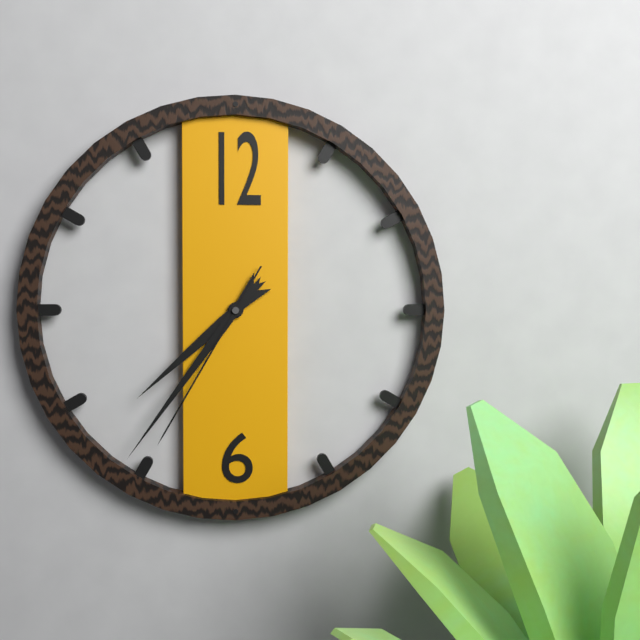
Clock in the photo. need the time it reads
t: 7:36:35
